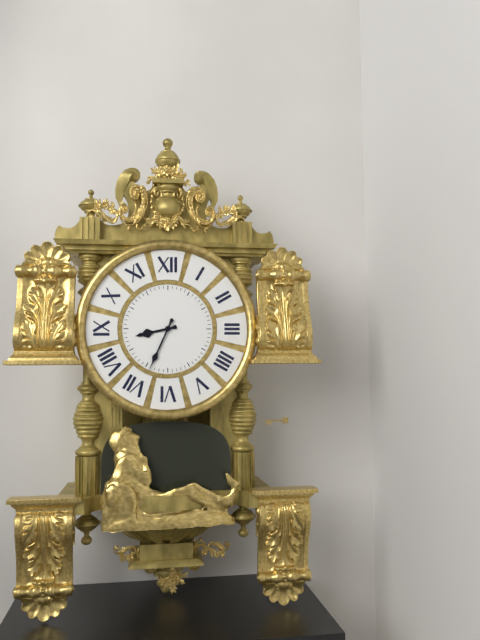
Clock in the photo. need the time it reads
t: 8:34
